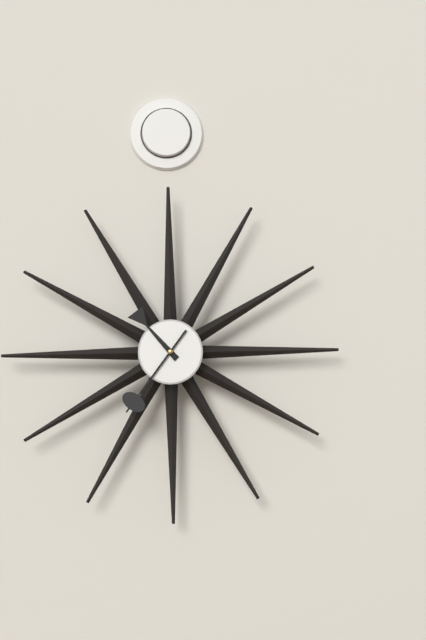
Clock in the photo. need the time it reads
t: 10:36
